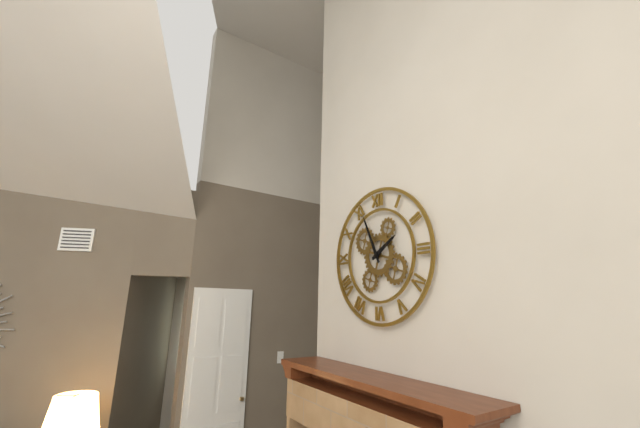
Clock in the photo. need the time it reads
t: 1:56
